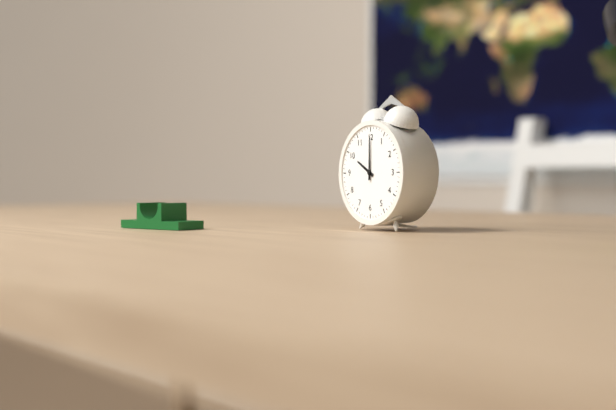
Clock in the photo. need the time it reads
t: 10:00
